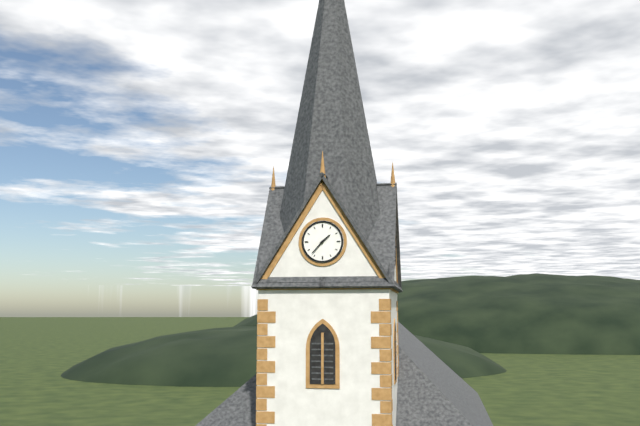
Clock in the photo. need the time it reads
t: 1:37
